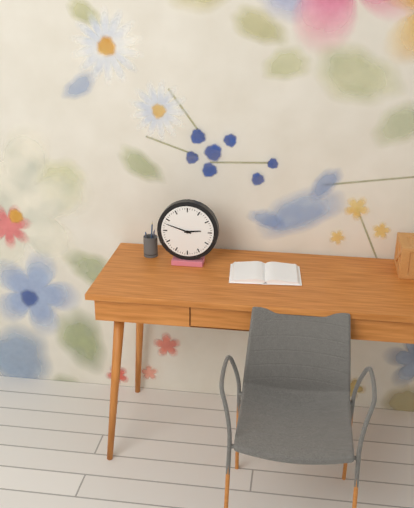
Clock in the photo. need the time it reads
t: 2:48
